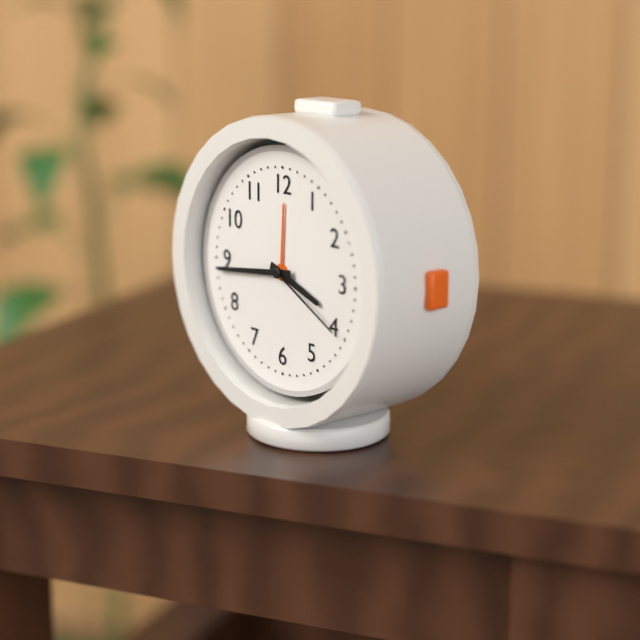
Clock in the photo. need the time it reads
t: 3:44:20
